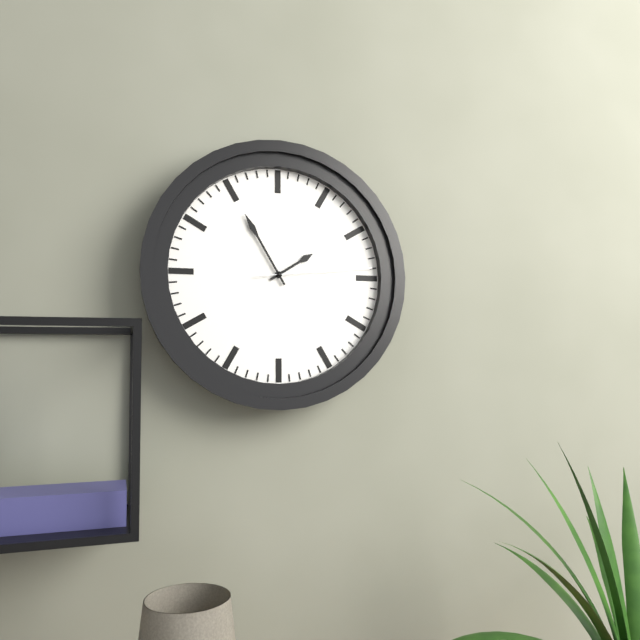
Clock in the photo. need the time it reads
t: 1:55:14
